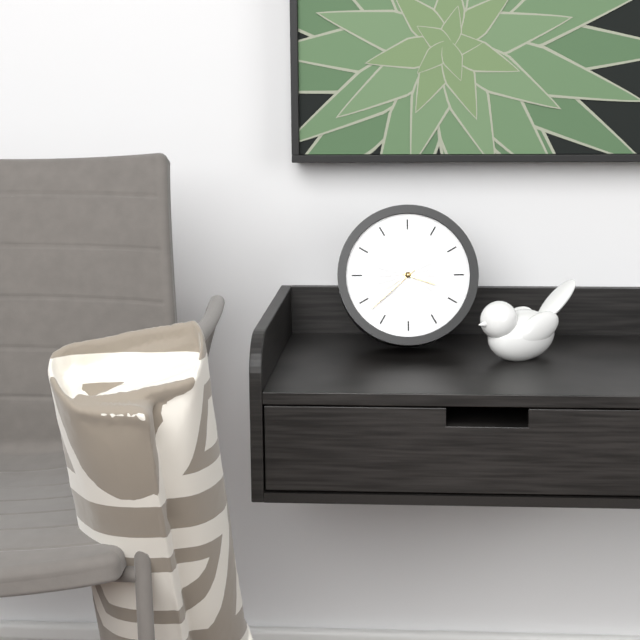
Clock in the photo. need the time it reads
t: 3:38
